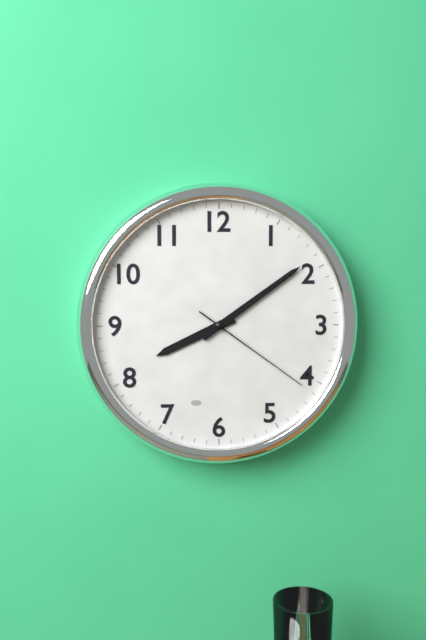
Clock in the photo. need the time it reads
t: 8:09:21
